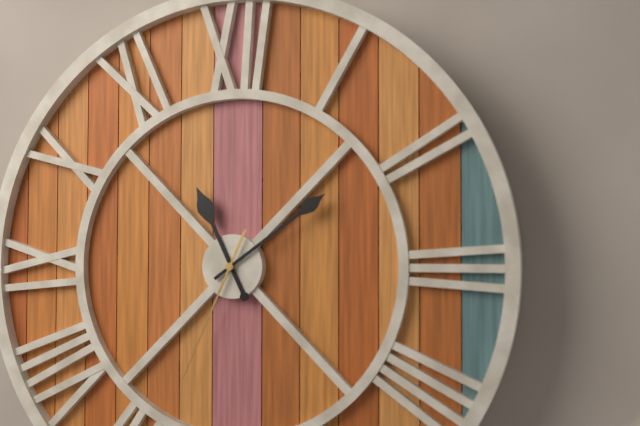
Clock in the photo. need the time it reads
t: 11:09:34
